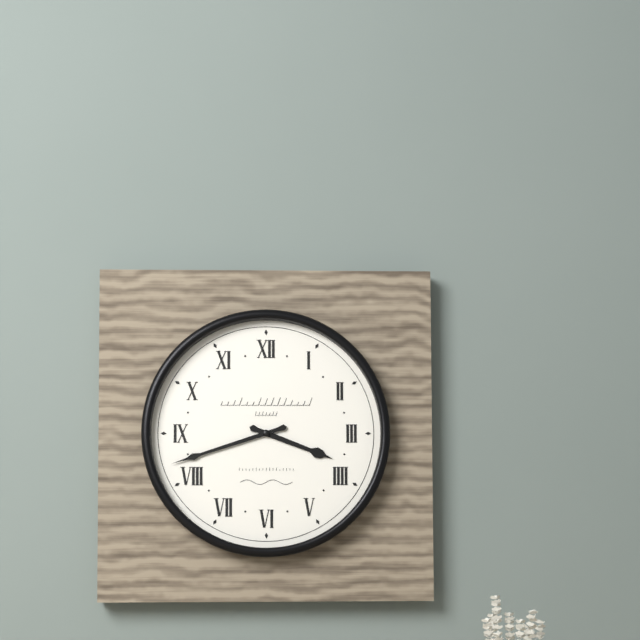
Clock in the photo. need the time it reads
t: 3:42
